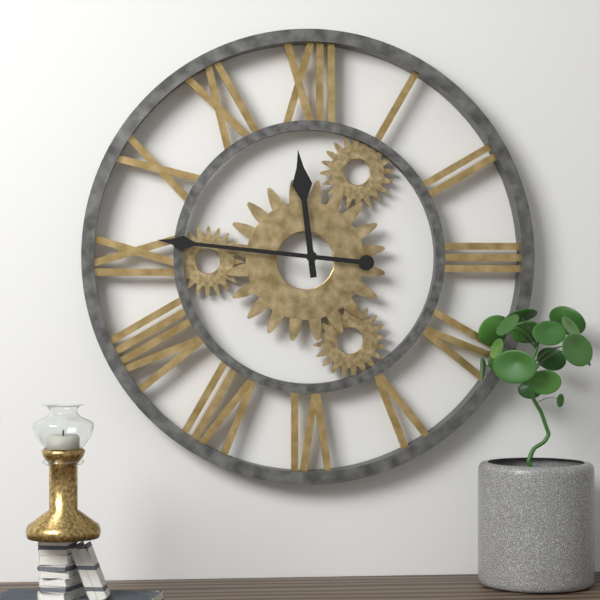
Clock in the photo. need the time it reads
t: 11:46
